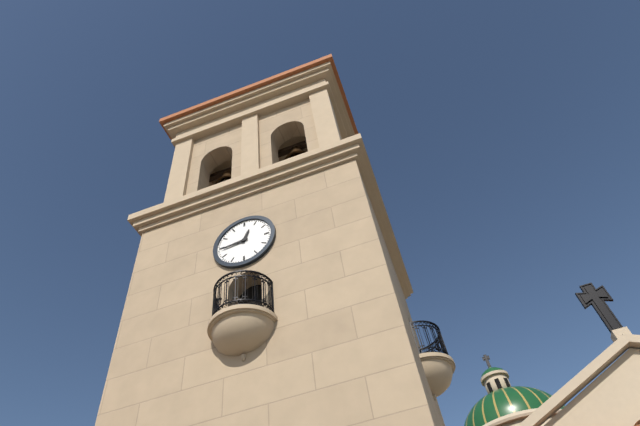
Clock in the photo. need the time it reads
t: 12:44
